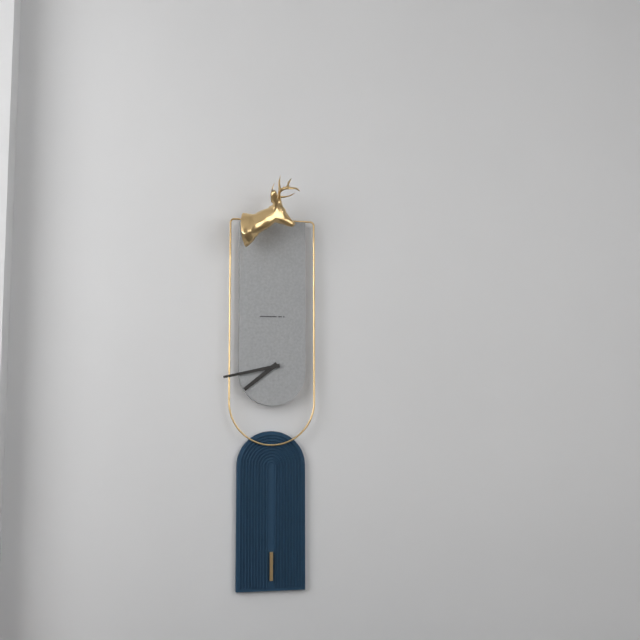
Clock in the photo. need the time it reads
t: 7:43
